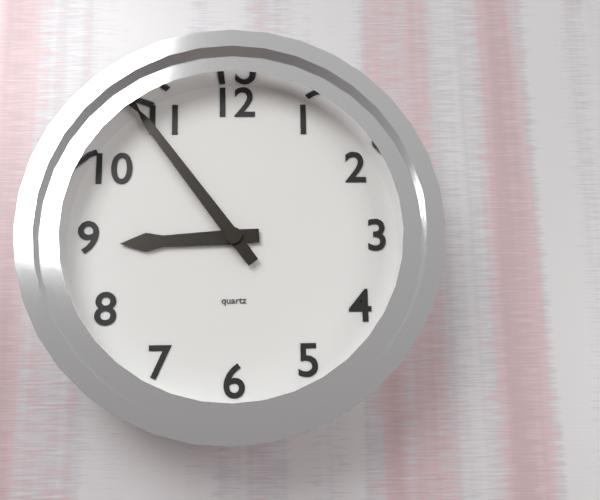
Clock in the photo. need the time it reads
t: 8:54
